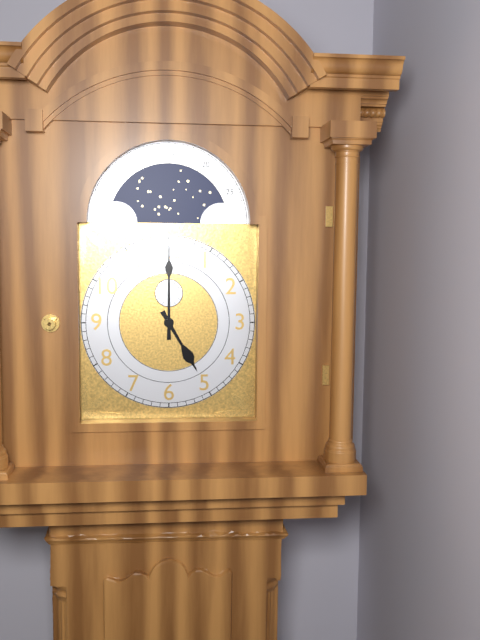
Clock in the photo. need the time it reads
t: 5:00
